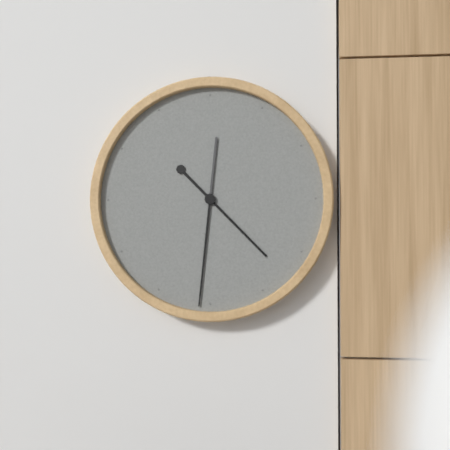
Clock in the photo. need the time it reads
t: 4:31
